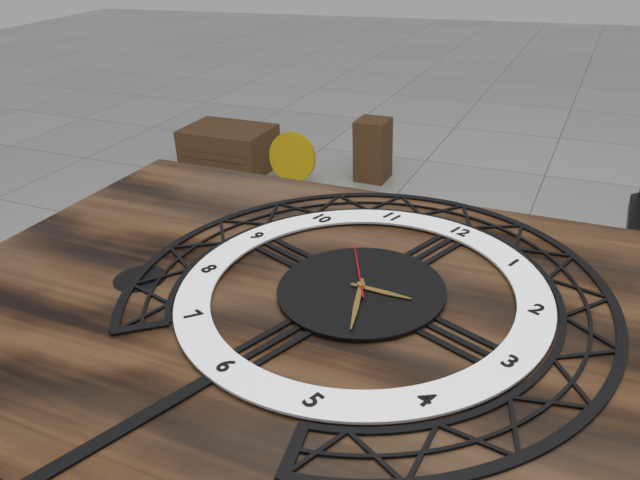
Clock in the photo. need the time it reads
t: 2:24:52
